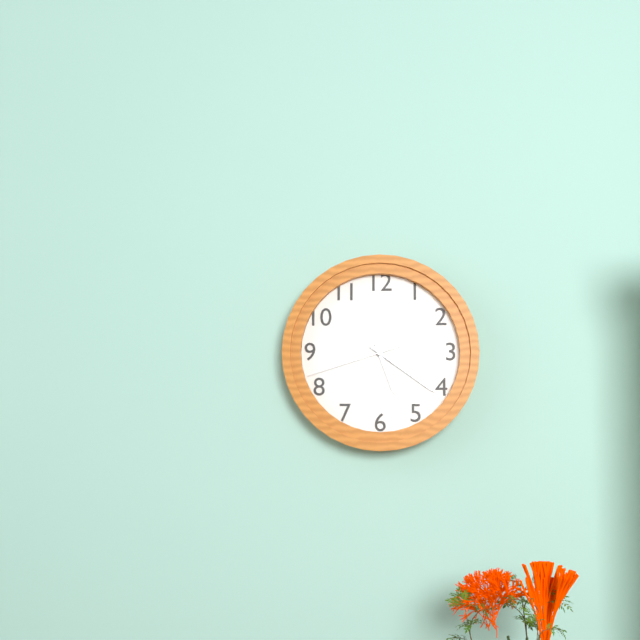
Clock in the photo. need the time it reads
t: 5:21:42
